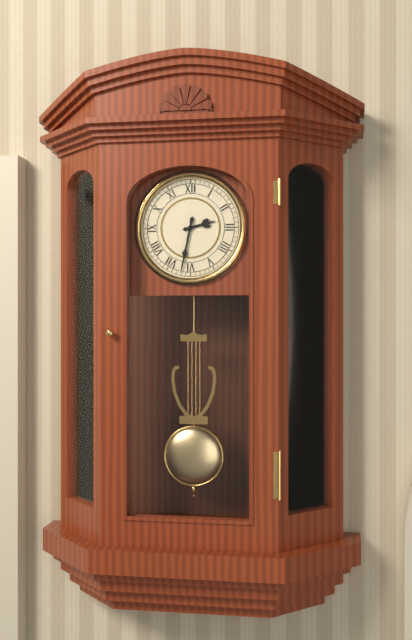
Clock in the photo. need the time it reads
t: 2:32
